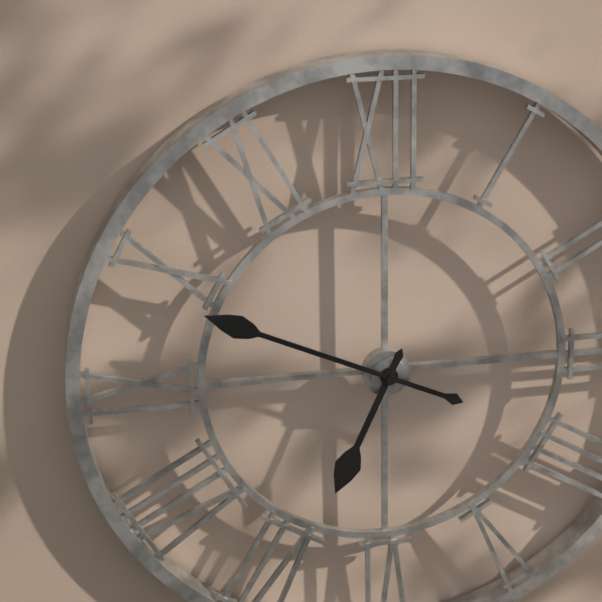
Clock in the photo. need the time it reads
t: 6:49
